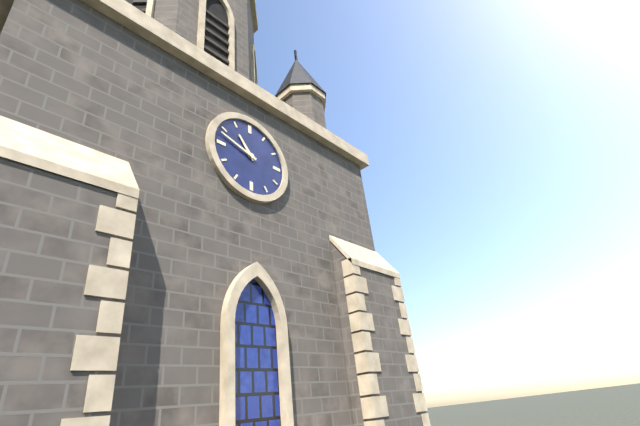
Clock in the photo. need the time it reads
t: 10:48
